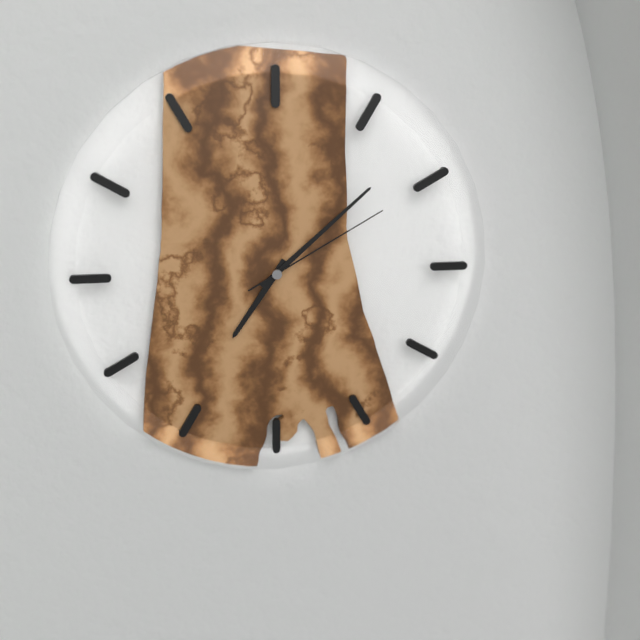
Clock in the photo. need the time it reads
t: 7:08:10
